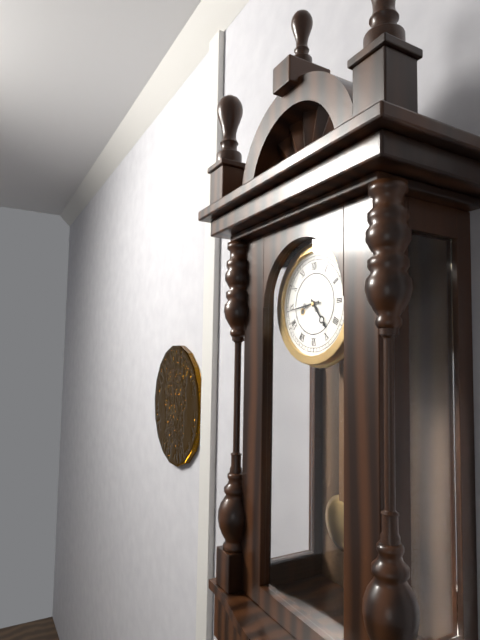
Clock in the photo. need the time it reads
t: 4:44
